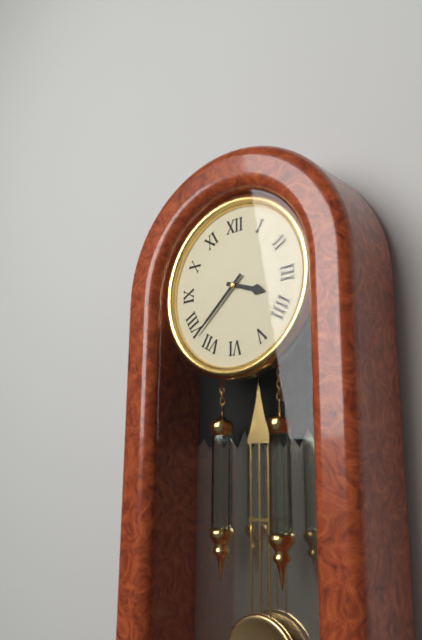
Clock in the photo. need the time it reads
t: 3:38
